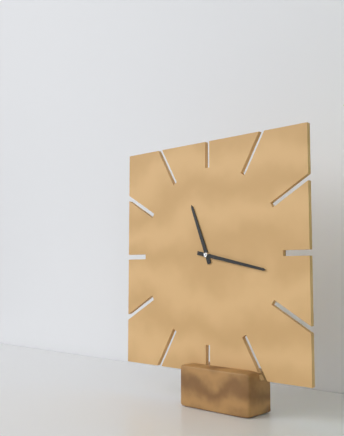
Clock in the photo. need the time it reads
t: 11:17
